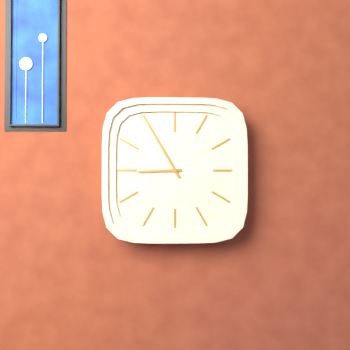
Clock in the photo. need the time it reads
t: 8:55
